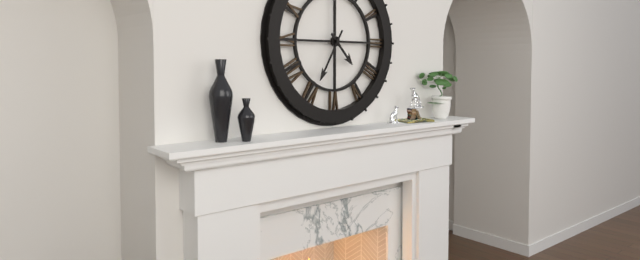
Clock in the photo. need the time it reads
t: 4:35
